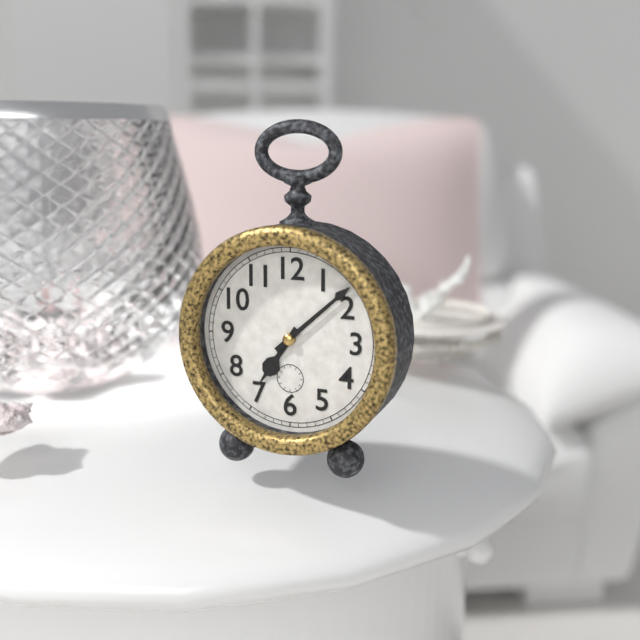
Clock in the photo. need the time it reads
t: 7:08
